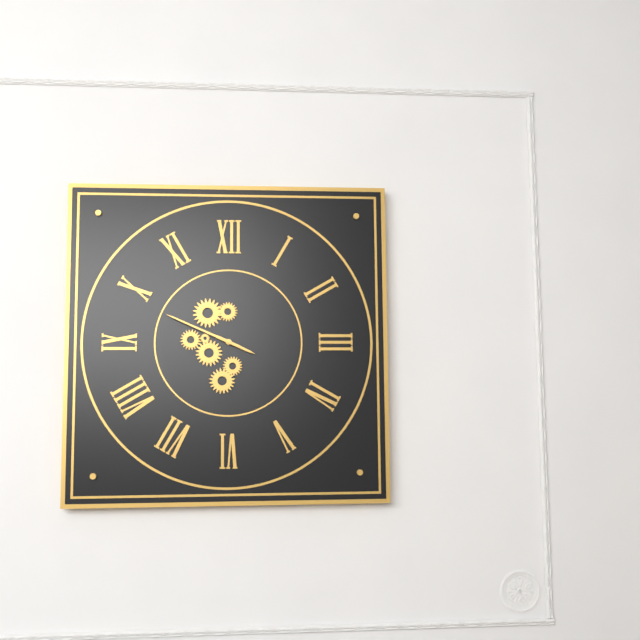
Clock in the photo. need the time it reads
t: 3:49
